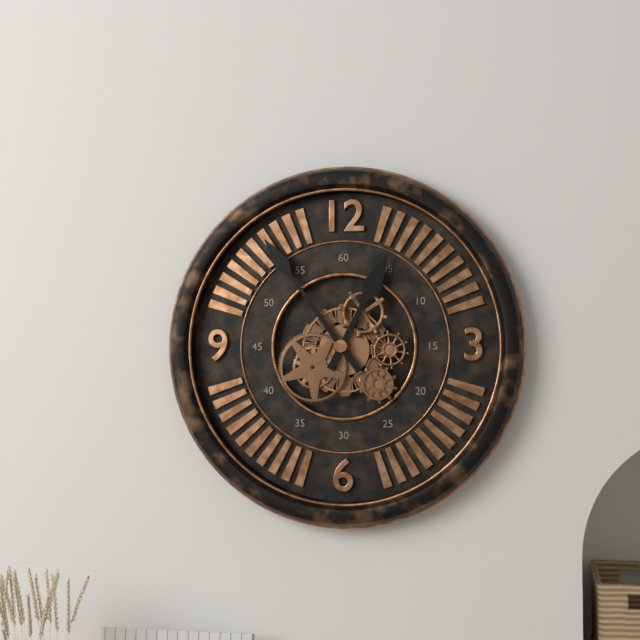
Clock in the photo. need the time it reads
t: 12:54
